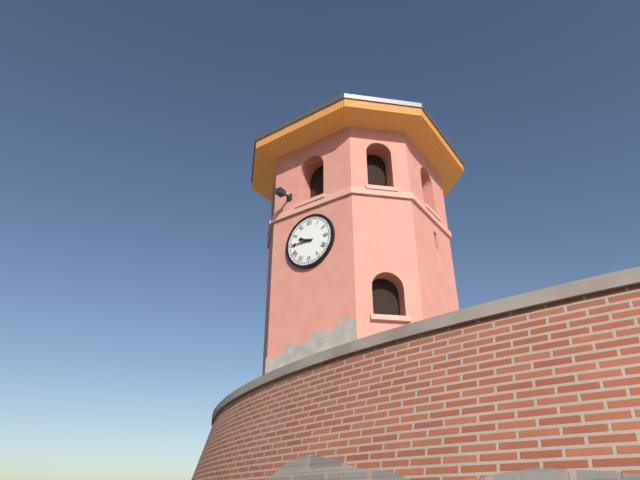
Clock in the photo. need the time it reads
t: 9:45
